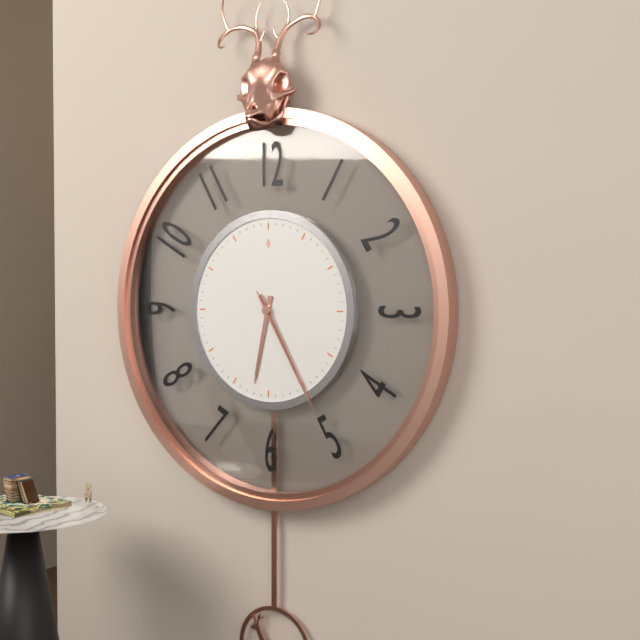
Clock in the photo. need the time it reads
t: 6:25:25
